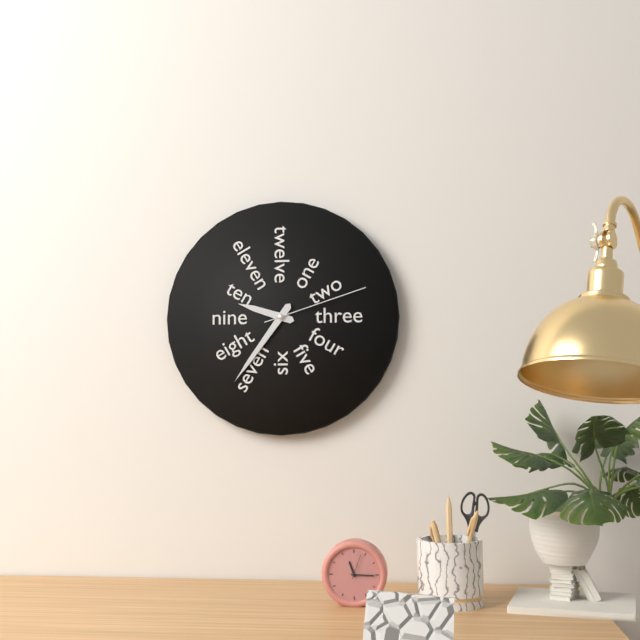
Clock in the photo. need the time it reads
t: 9:36:12
